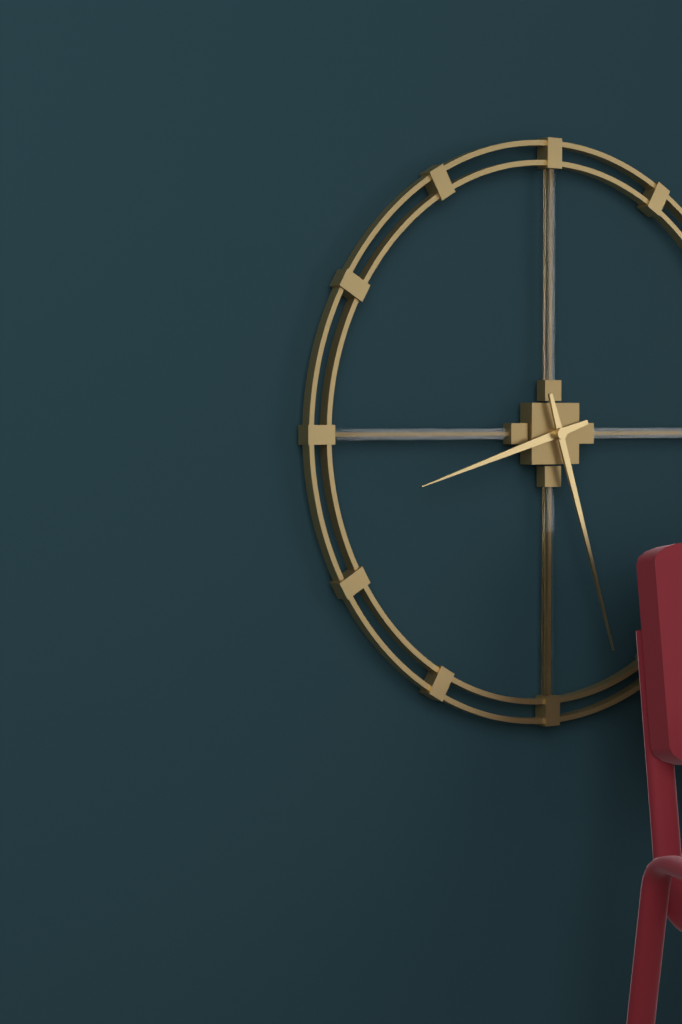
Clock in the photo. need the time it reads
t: 8:27
